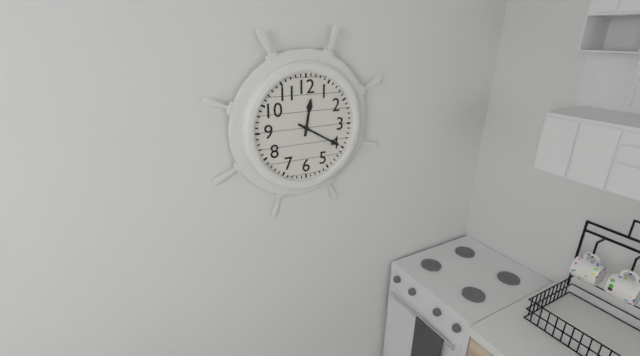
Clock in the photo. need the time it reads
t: 12:20
